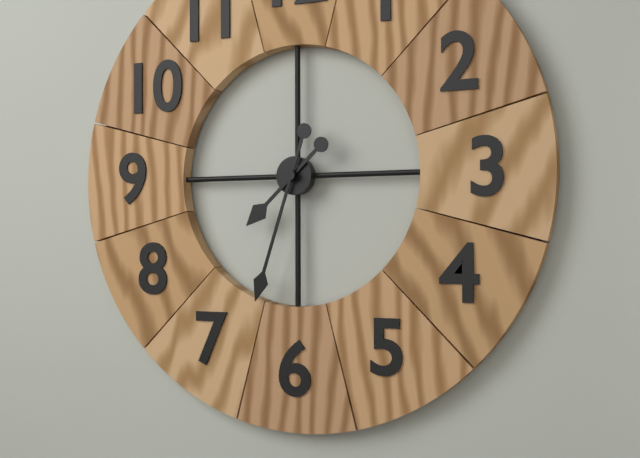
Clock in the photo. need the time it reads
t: 7:33
